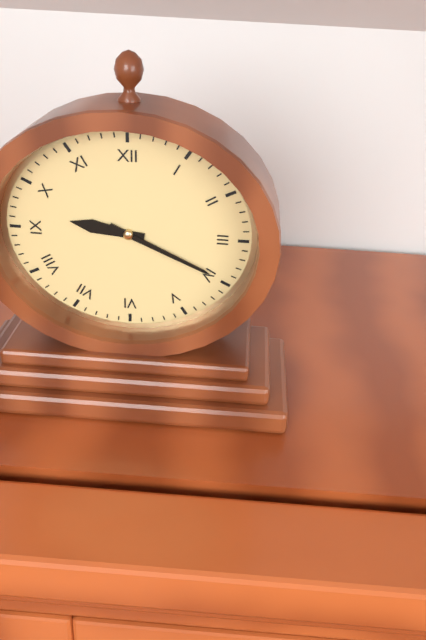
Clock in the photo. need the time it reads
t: 9:19
